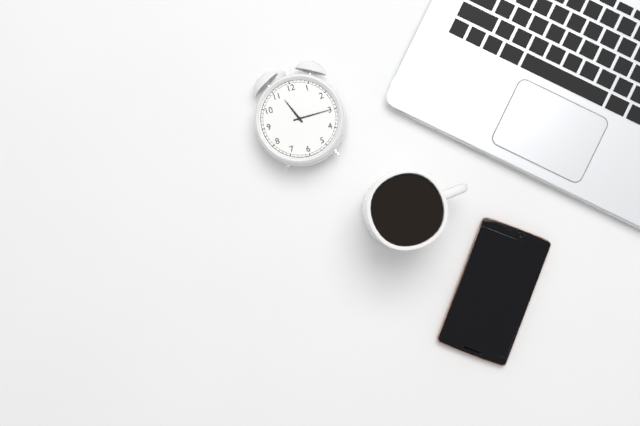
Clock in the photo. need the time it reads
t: 11:15
